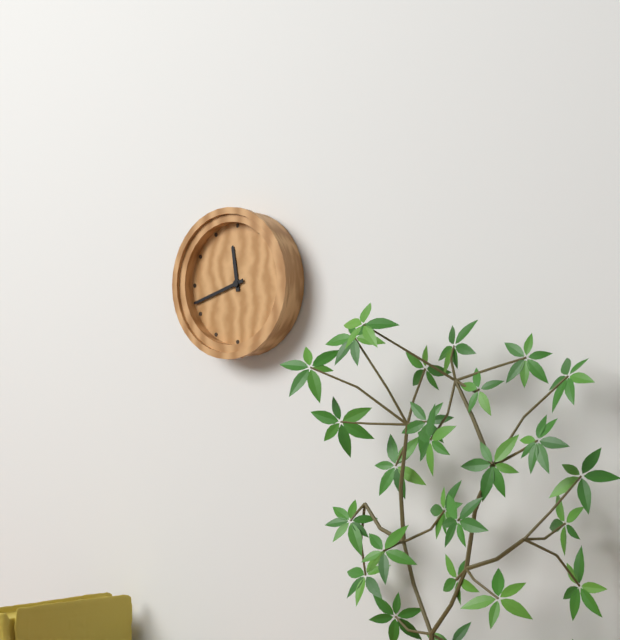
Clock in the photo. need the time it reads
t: 11:42
